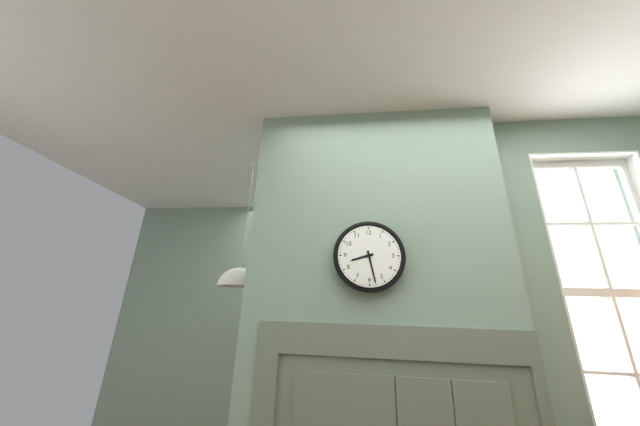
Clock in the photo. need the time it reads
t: 8:28
